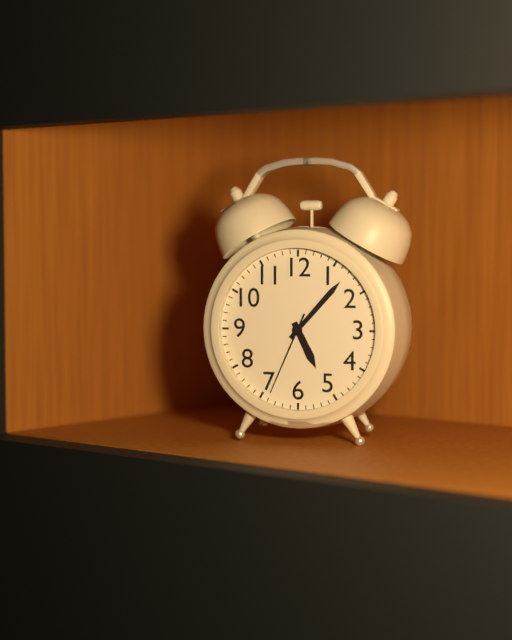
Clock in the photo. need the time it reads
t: 5:07:34
